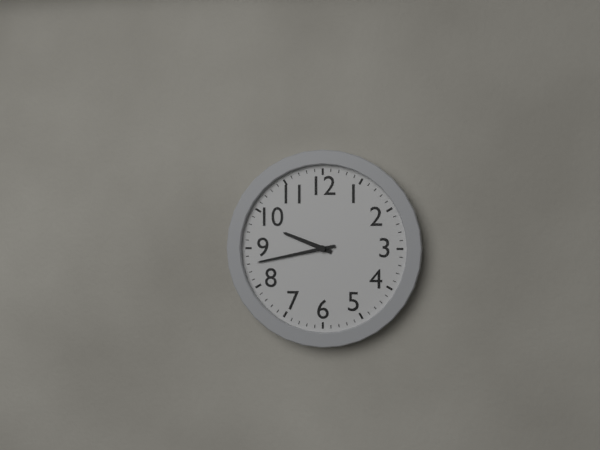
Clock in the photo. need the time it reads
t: 9:43
